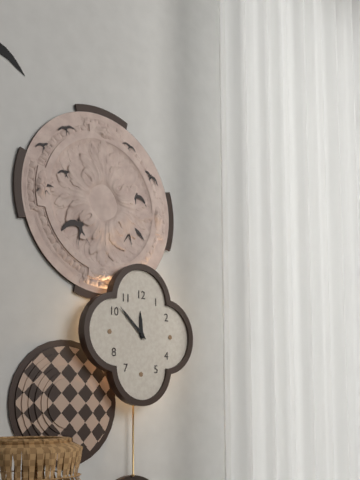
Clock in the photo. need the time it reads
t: 11:52
